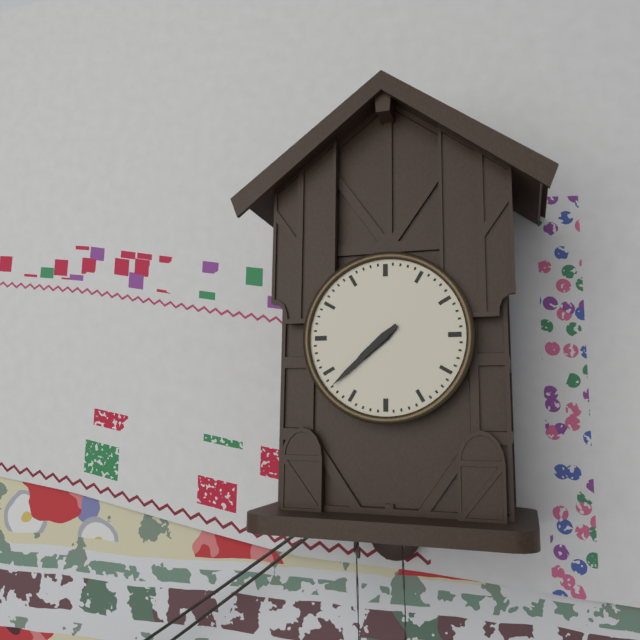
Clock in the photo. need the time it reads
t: 7:38
